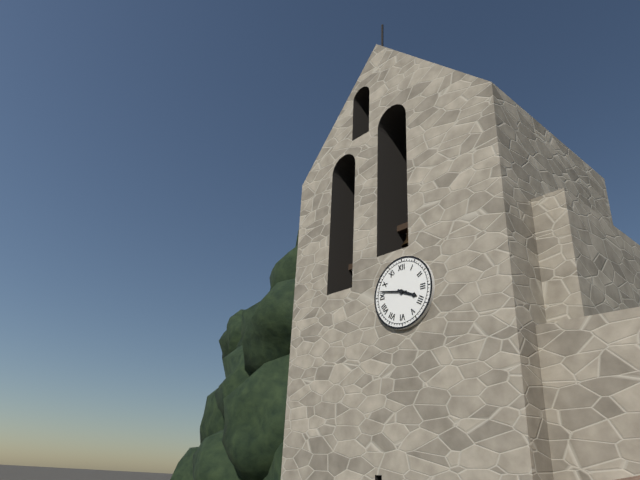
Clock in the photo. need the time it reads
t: 3:47
